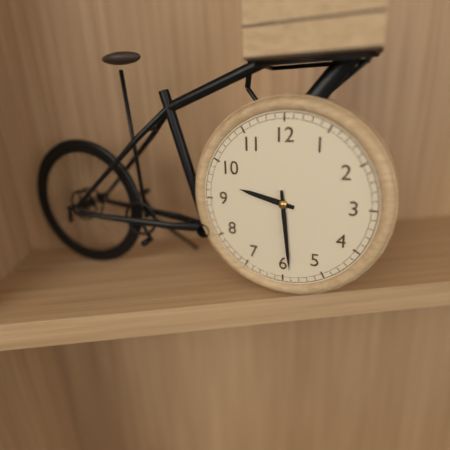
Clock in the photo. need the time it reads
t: 9:29
